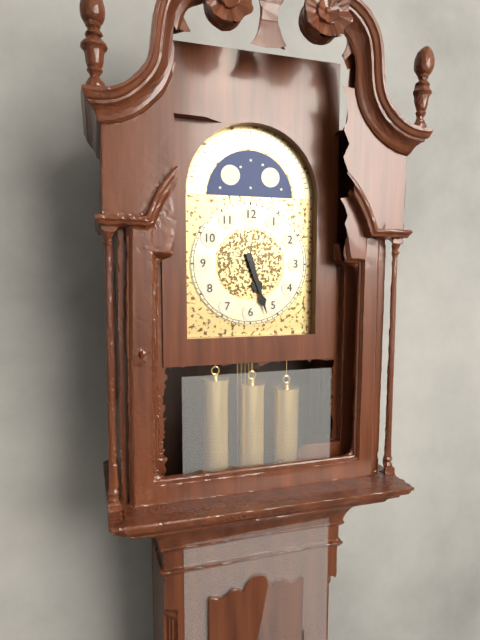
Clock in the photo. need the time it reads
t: 5:27
